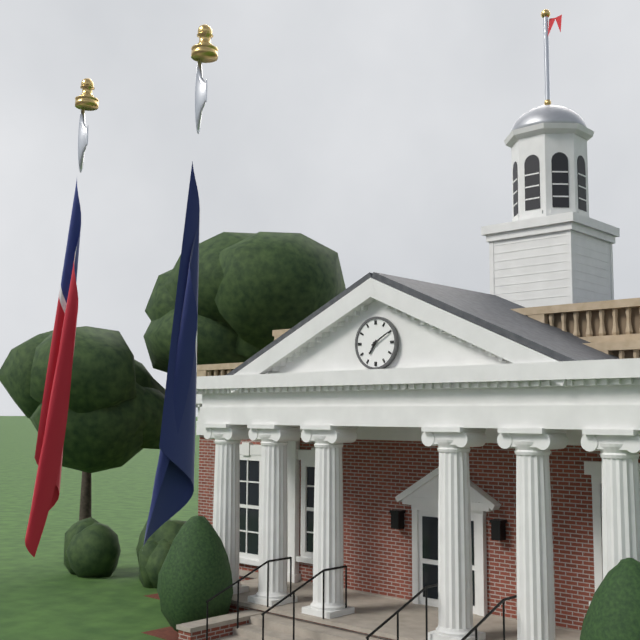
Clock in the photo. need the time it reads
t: 7:10
